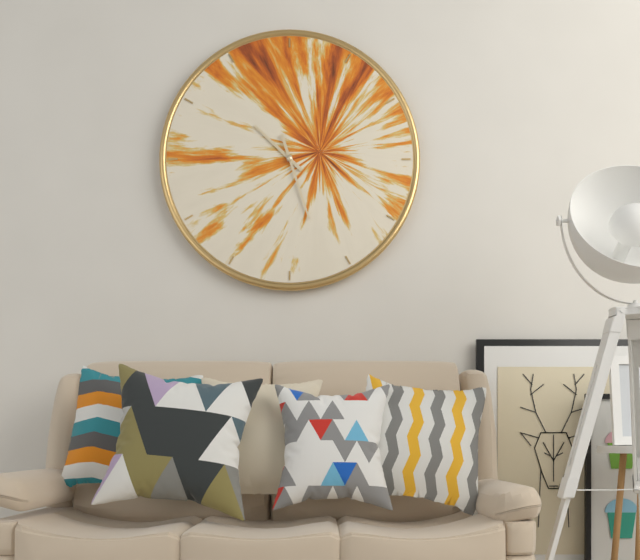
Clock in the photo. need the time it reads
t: 10:27
